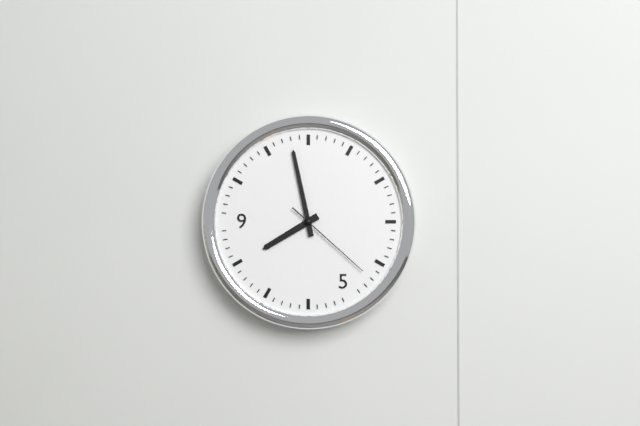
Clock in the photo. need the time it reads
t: 7:58:22
